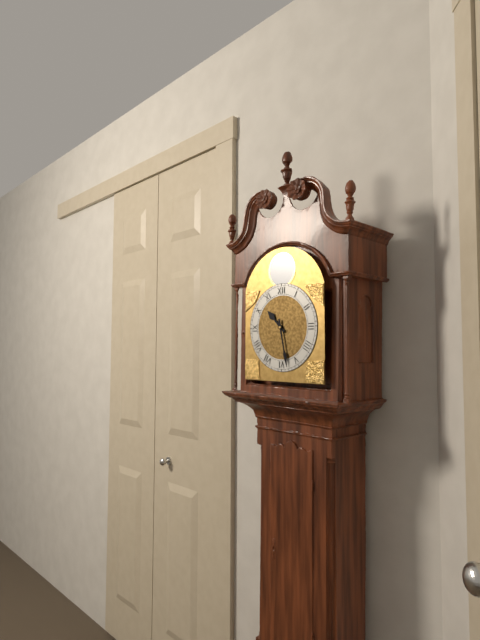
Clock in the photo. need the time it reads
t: 10:28
